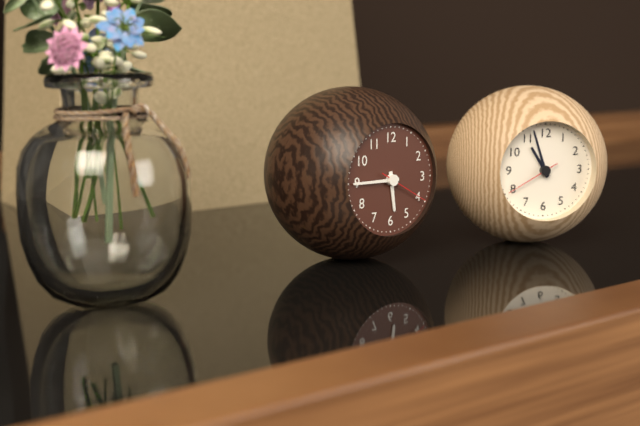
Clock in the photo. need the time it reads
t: 5:45
